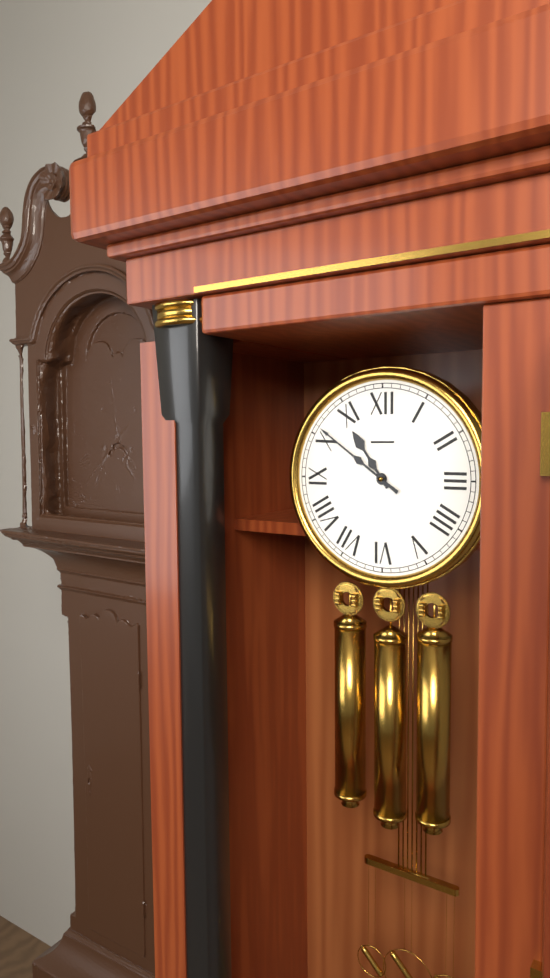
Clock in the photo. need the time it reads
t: 10:51
